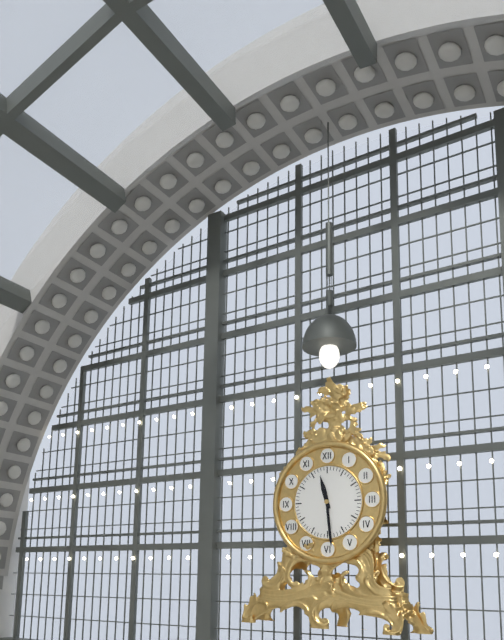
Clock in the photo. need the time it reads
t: 11:29
